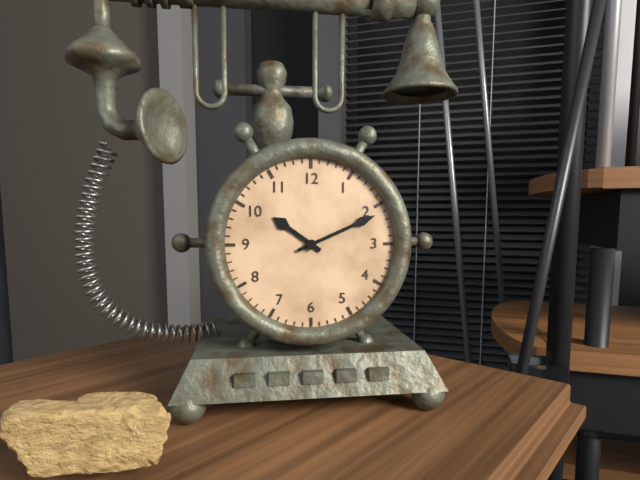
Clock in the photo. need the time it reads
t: 10:11
